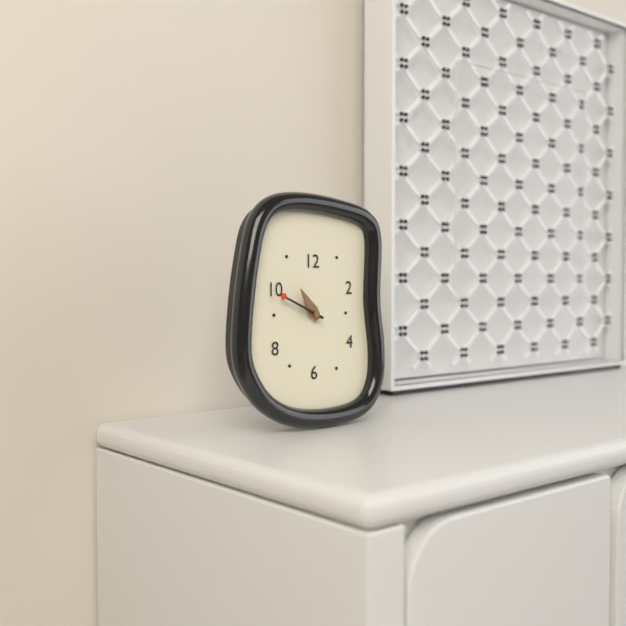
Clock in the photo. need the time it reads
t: 10:49
